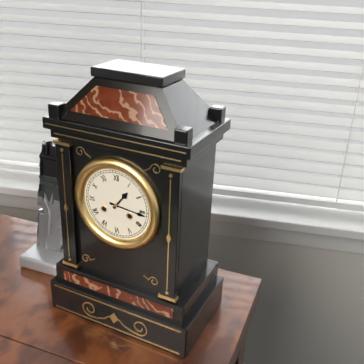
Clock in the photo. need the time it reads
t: 1:16
